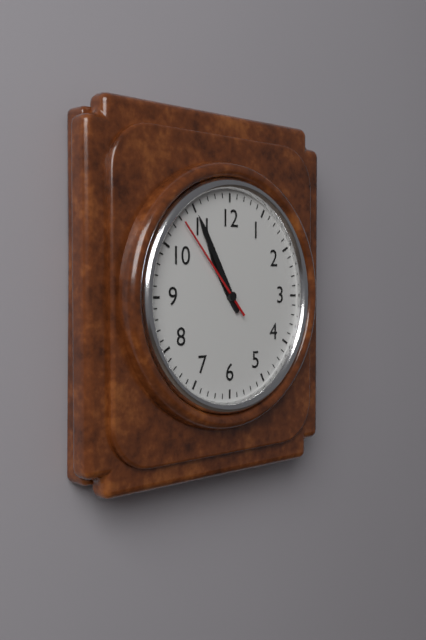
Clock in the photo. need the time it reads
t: 10:55:53
